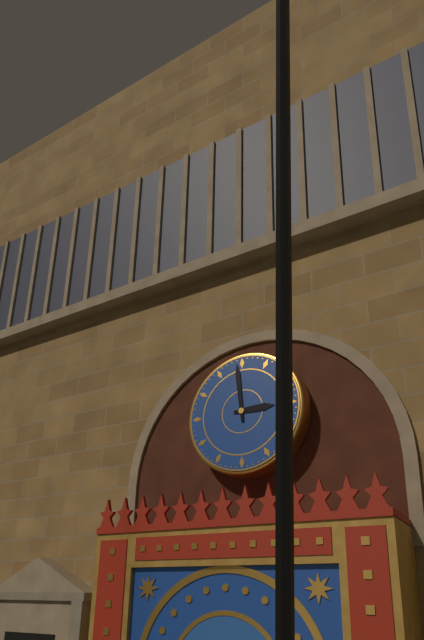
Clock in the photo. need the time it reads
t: 2:59
